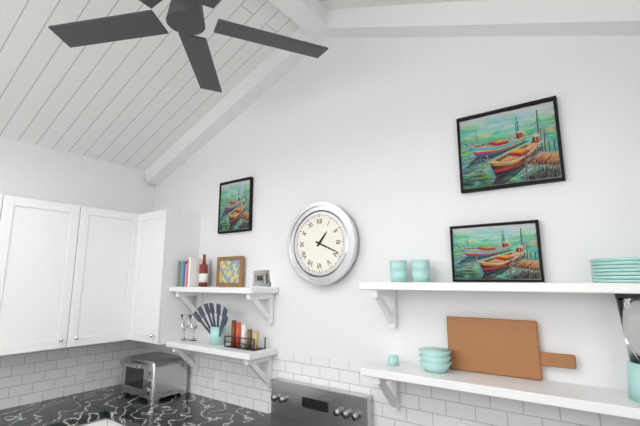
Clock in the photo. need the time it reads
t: 1:19
